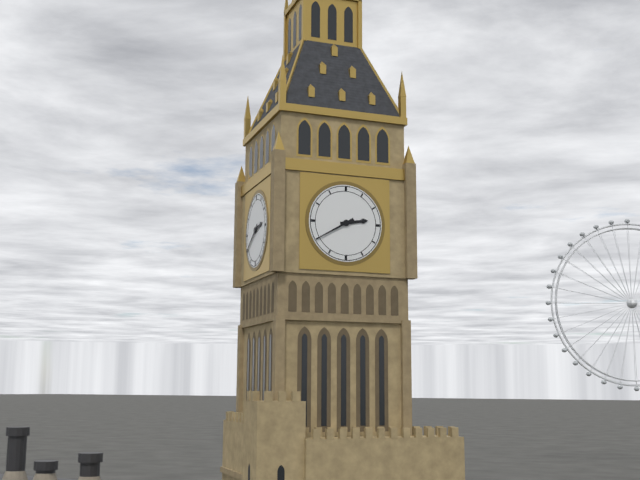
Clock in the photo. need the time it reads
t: 2:40
